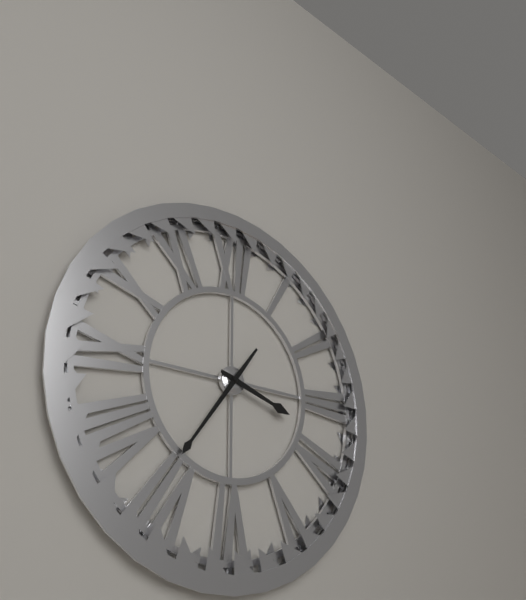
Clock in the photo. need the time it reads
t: 3:36
